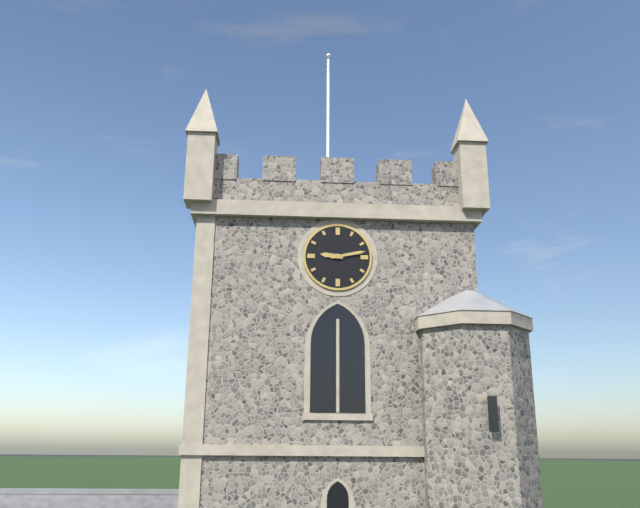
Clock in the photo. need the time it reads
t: 9:13
